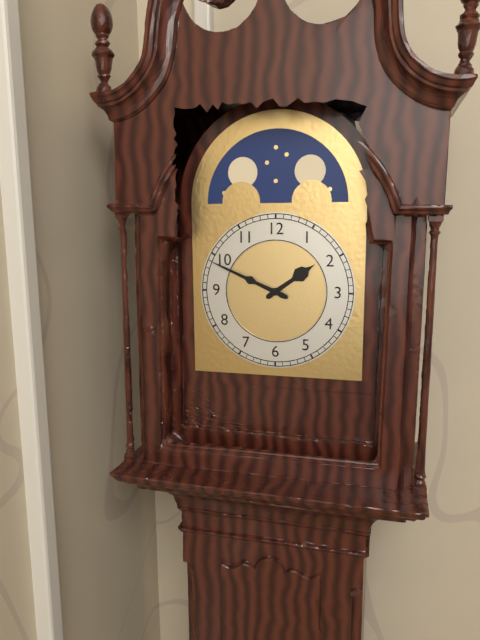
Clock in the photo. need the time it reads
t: 1:49
